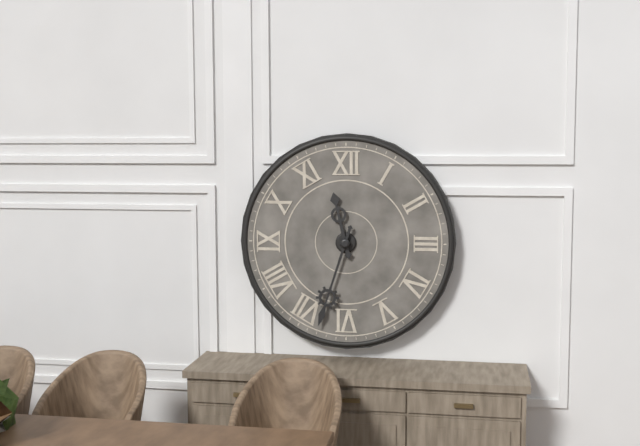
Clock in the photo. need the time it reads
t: 11:33
